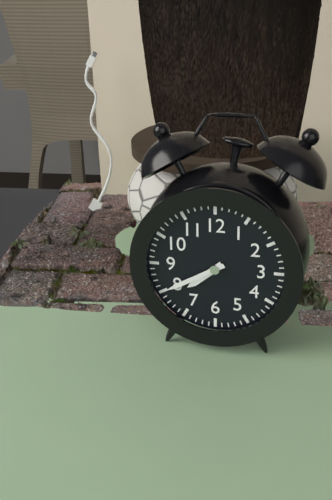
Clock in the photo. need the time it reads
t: 7:40
